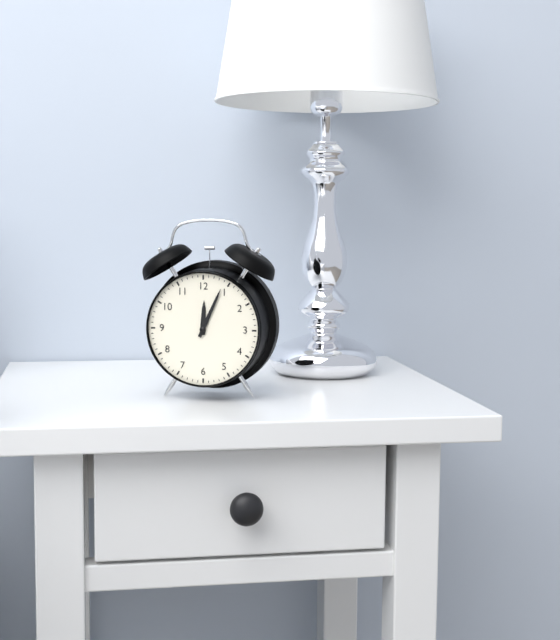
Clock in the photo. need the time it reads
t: 12:04
